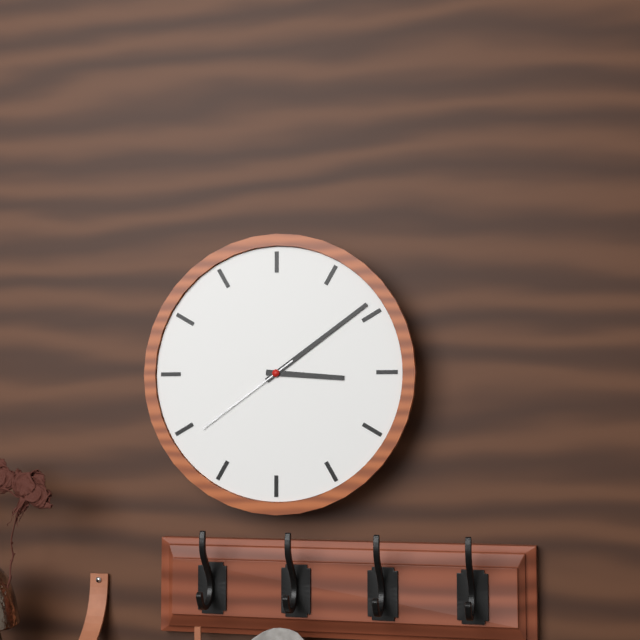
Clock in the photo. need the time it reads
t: 3:09:39
